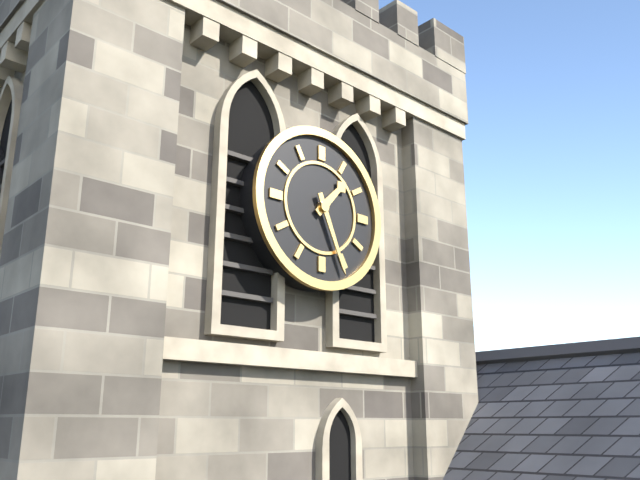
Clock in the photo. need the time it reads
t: 1:26
